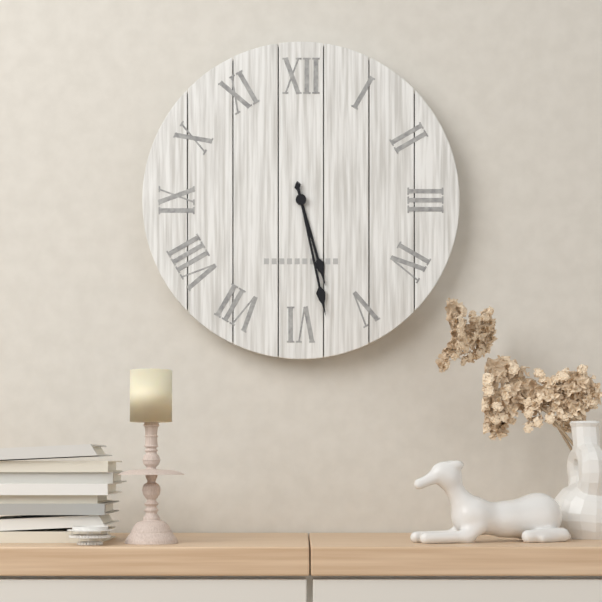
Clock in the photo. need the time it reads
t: 5:28
